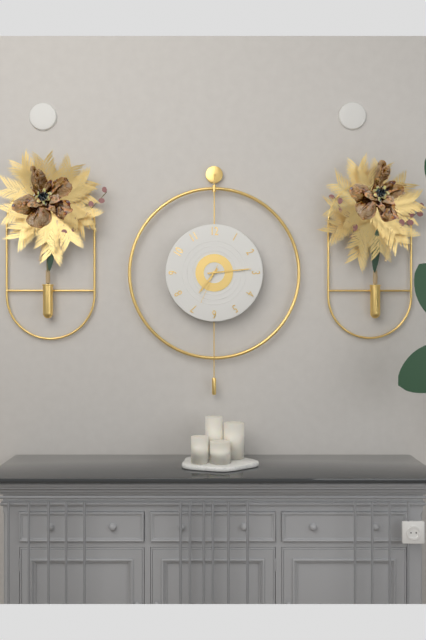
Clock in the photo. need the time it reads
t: 7:14
